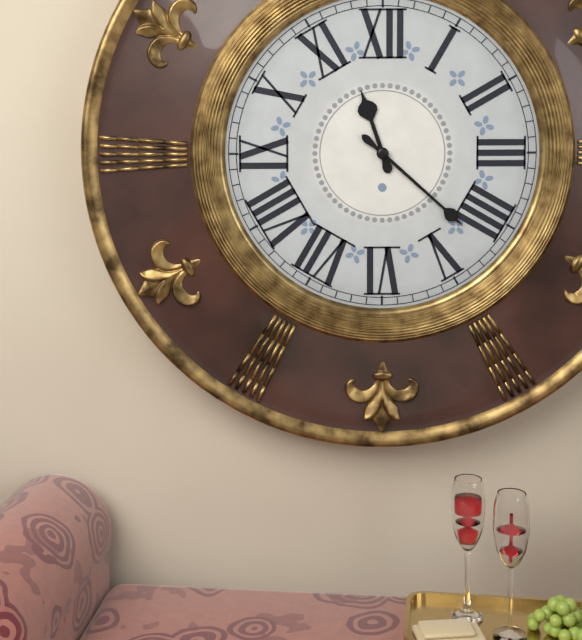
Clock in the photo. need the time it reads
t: 11:22
